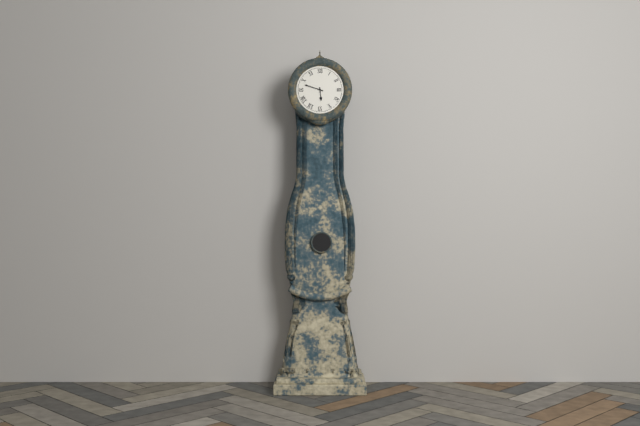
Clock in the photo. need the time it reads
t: 5:48
